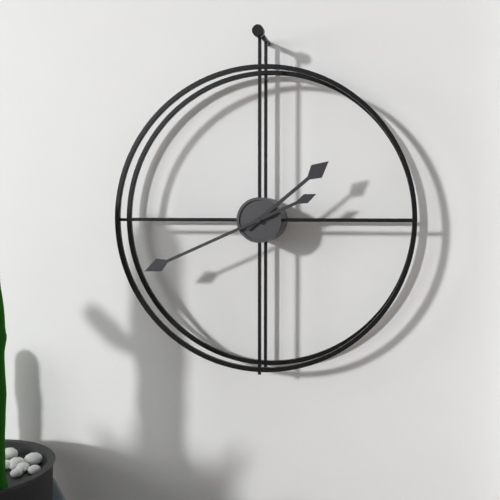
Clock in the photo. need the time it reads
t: 1:41
